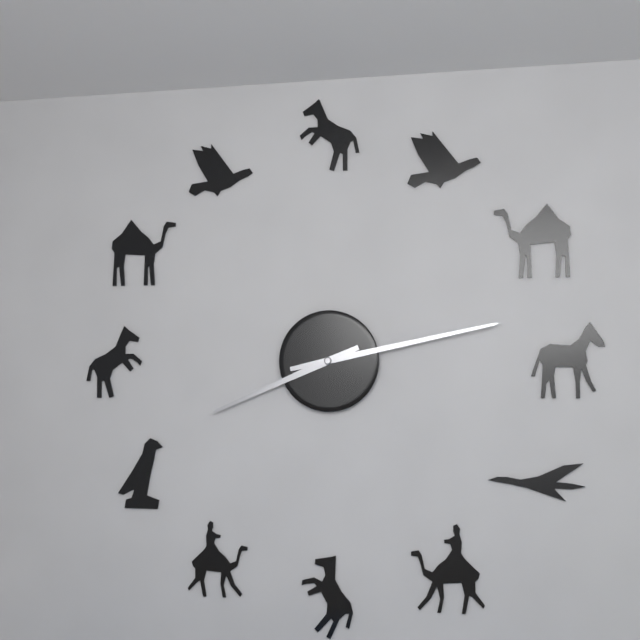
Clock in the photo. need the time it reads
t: 8:13
